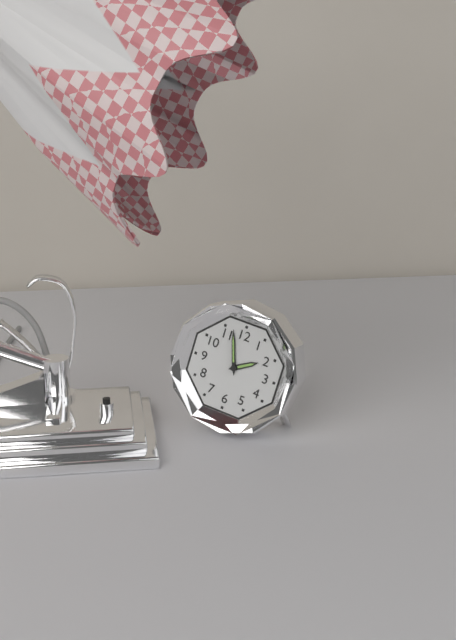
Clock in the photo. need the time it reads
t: 1:57
